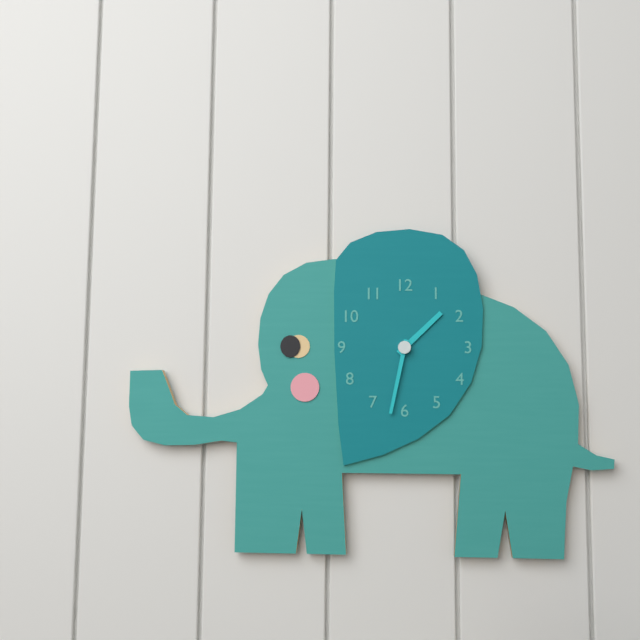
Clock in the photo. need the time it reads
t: 1:32
